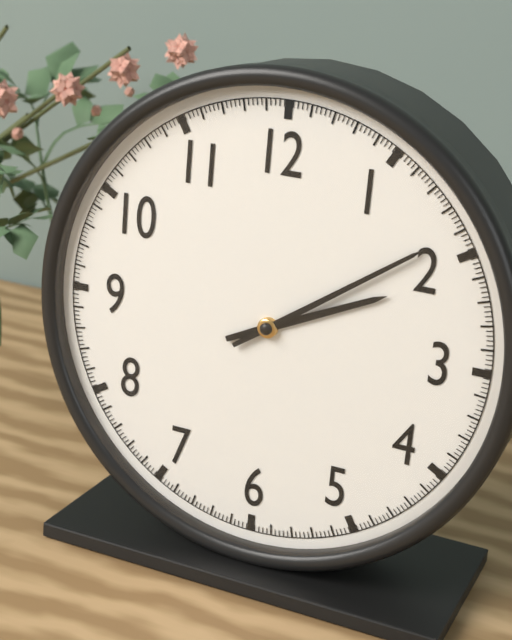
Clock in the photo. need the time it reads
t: 2:09
